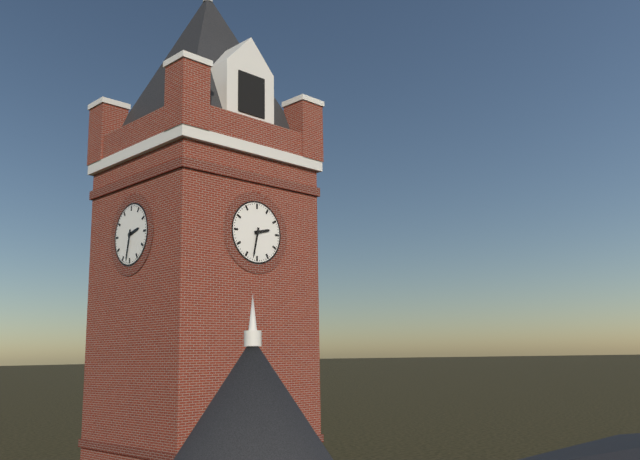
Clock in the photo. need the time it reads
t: 2:32
